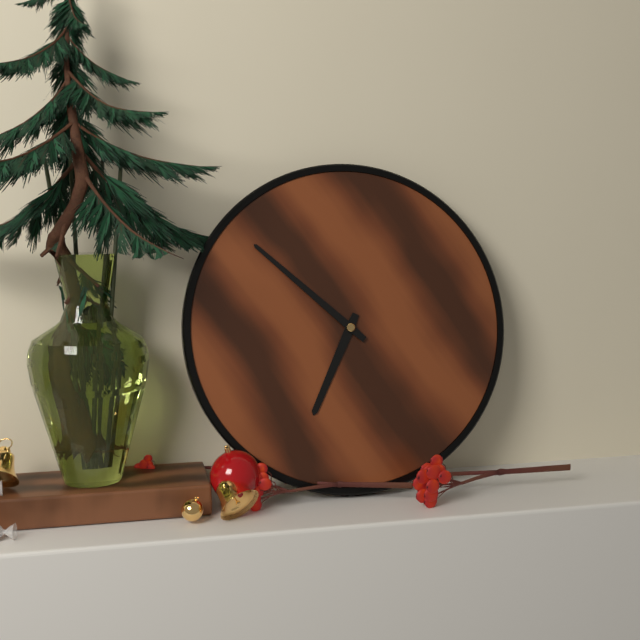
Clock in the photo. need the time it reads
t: 6:52
